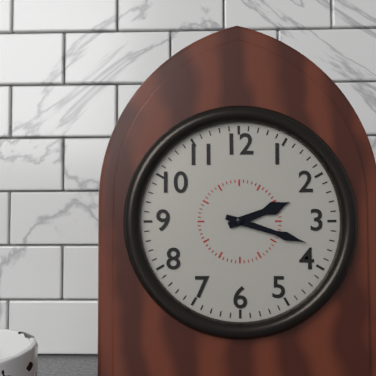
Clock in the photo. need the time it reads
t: 2:18
